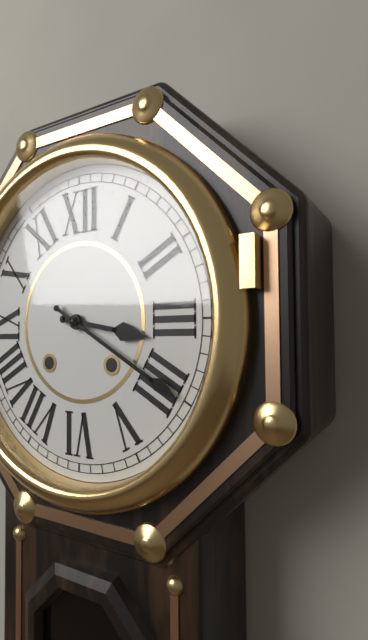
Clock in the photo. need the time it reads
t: 3:20
